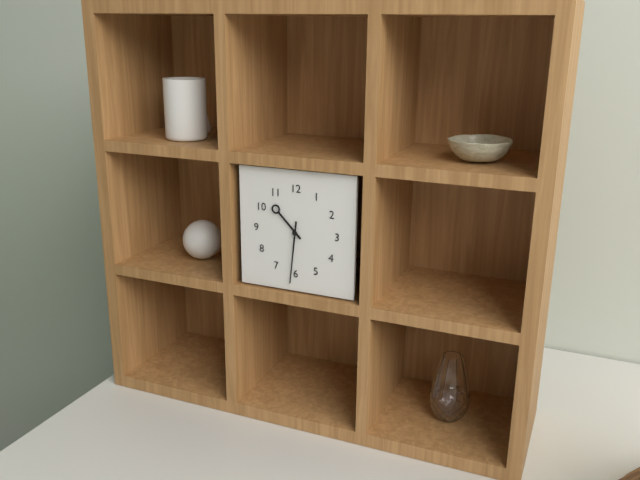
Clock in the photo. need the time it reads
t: 10:31
